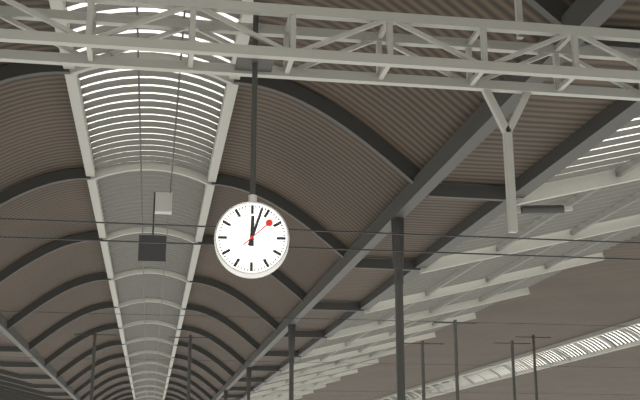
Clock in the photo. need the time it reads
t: 12:03
